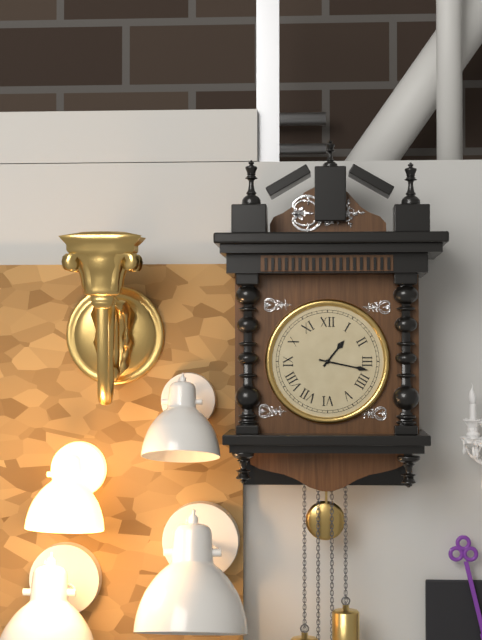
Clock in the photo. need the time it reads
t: 1:17
